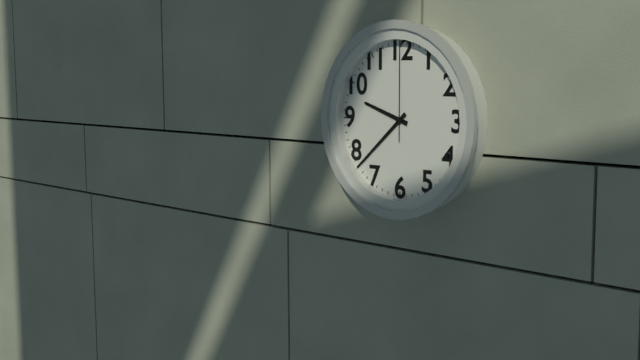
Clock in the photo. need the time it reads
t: 9:38:00
